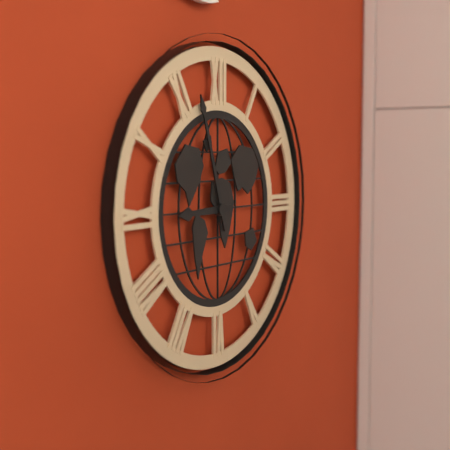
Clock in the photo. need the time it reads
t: 8:57
